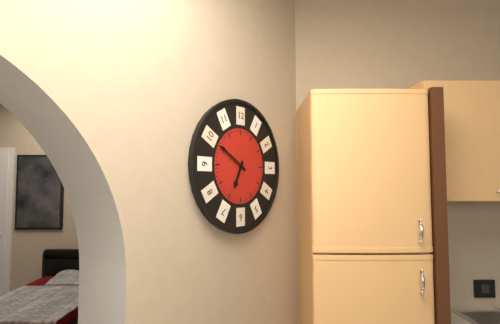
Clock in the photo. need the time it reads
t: 6:50
